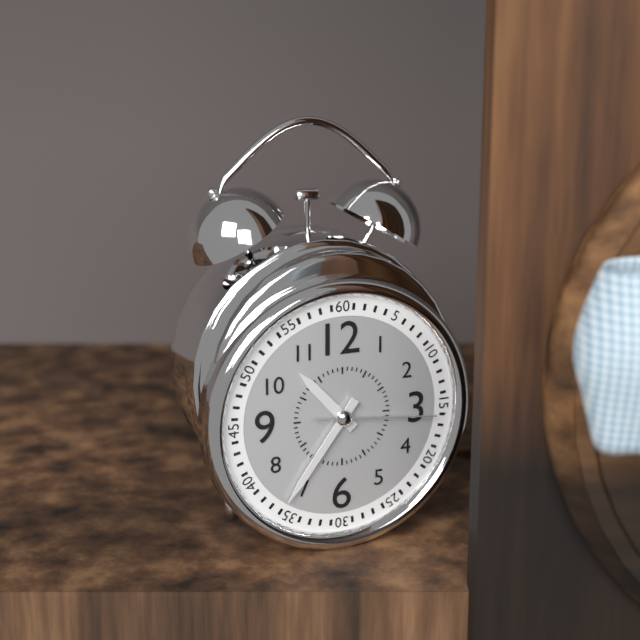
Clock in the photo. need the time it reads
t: 10:36:16
